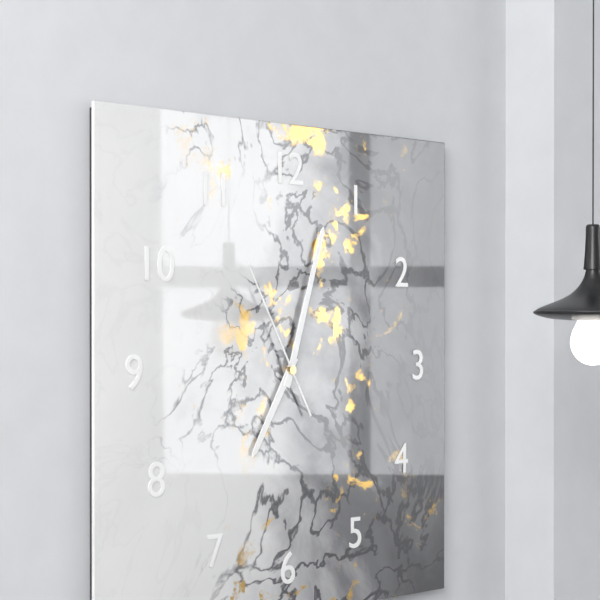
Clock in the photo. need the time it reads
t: 7:03:55
